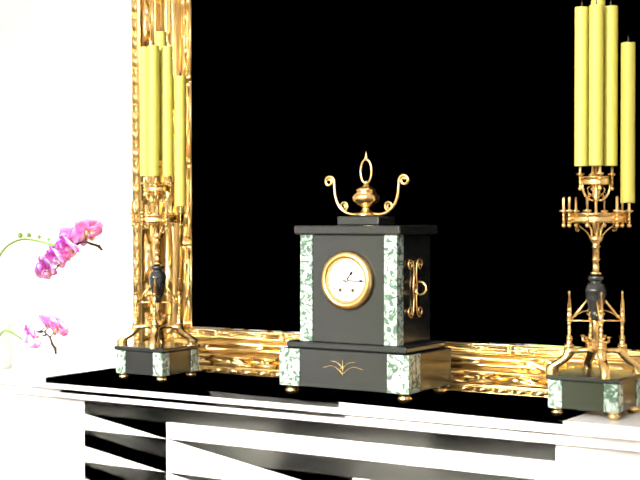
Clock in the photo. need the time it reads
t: 1:15
